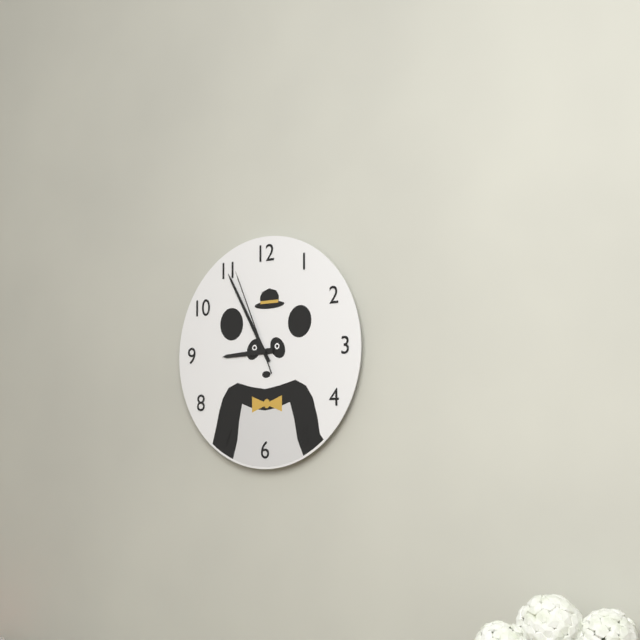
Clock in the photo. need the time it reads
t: 8:55:56
